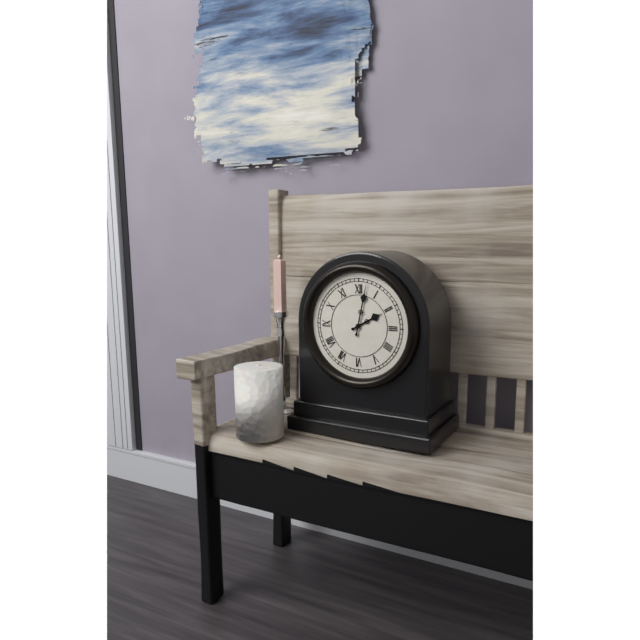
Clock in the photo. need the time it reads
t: 2:02
